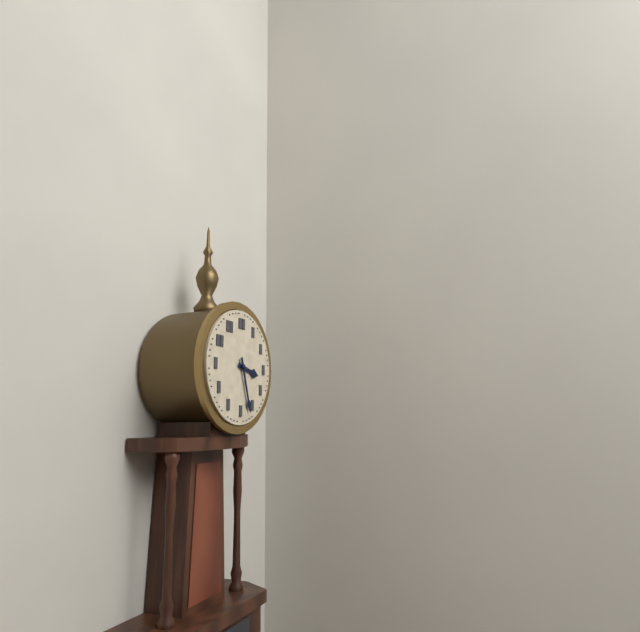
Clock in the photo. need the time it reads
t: 3:27
